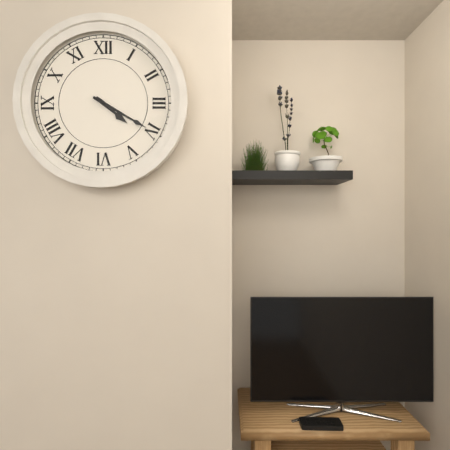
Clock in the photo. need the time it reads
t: 4:20
